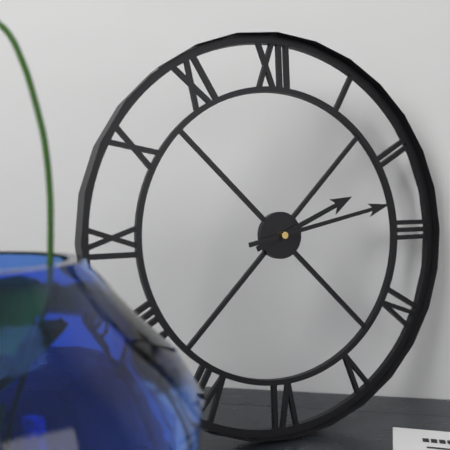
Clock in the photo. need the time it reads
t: 2:13
